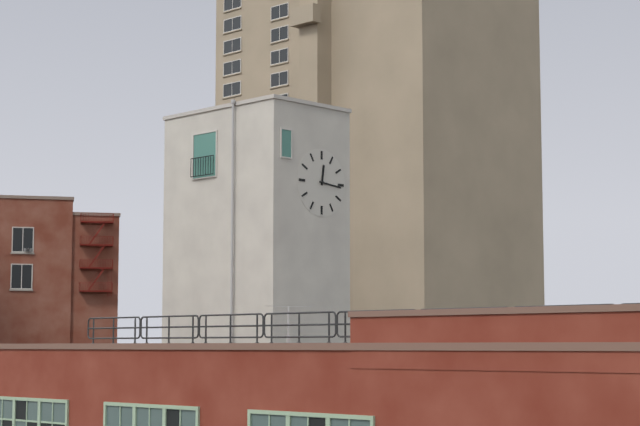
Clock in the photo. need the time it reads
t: 12:16
